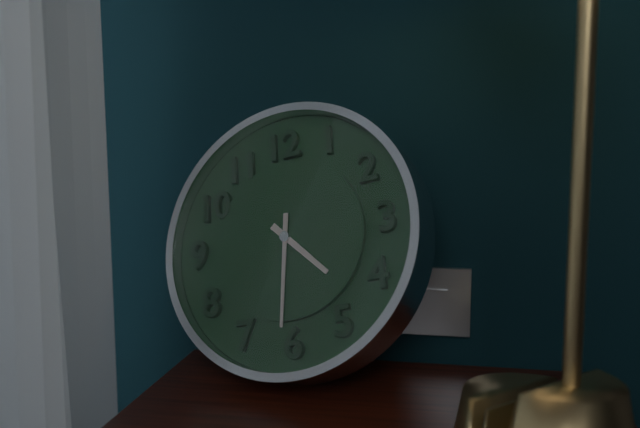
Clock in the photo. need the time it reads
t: 4:31
